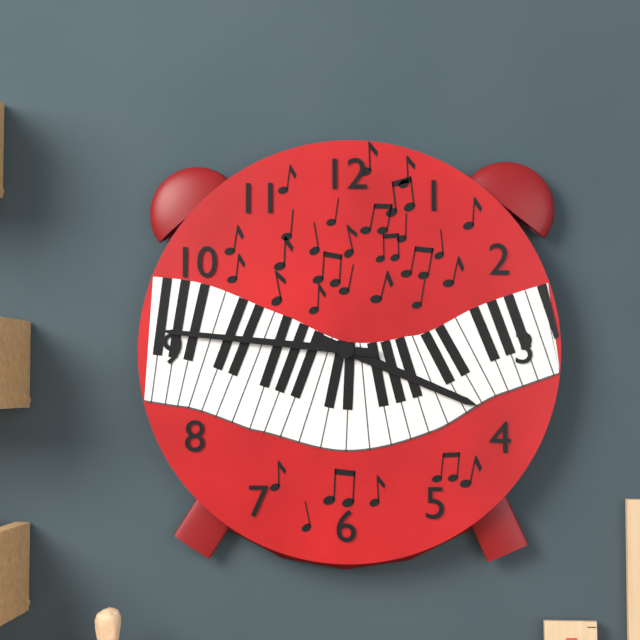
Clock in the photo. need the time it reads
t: 3:46
